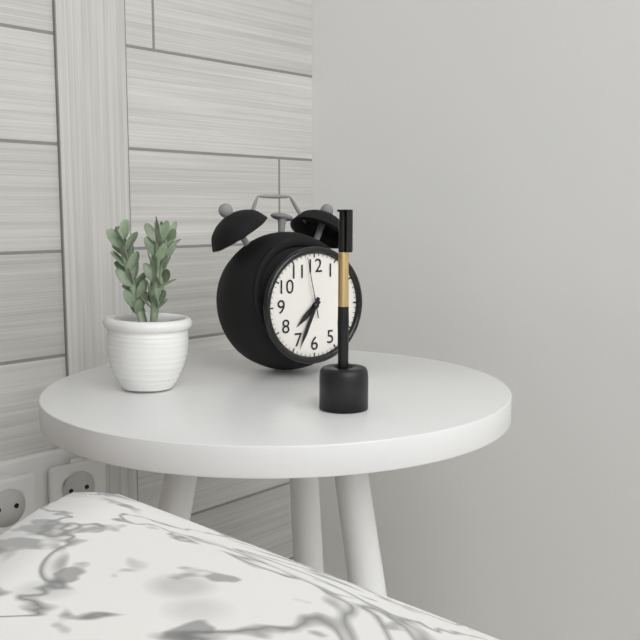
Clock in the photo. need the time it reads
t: 7:34:58
